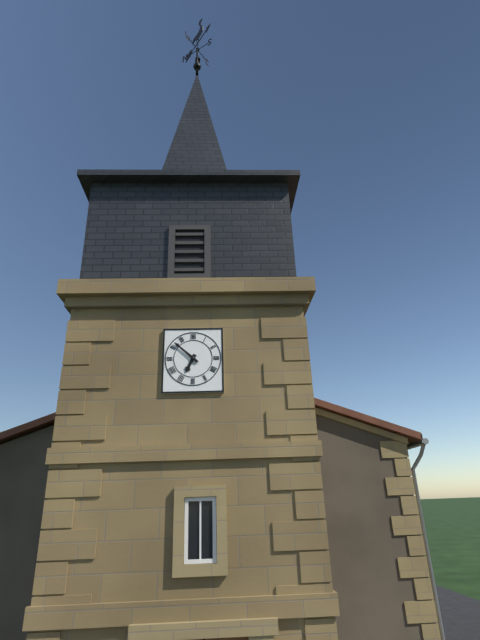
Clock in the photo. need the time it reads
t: 6:52
